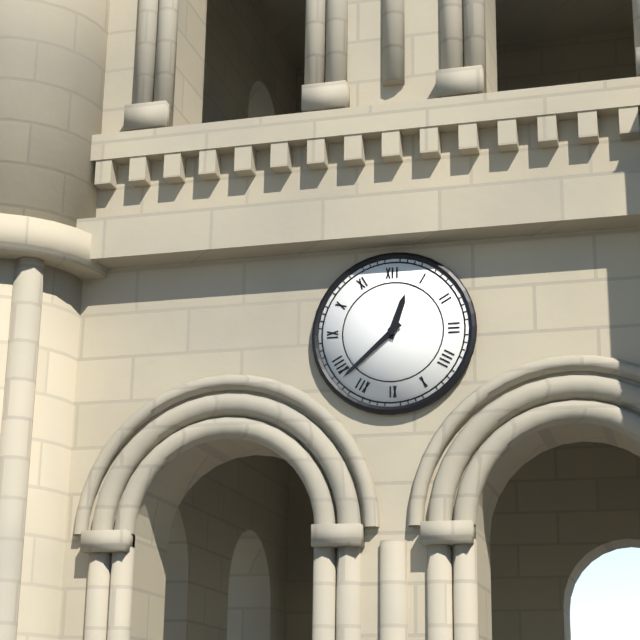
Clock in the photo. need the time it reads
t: 12:38
